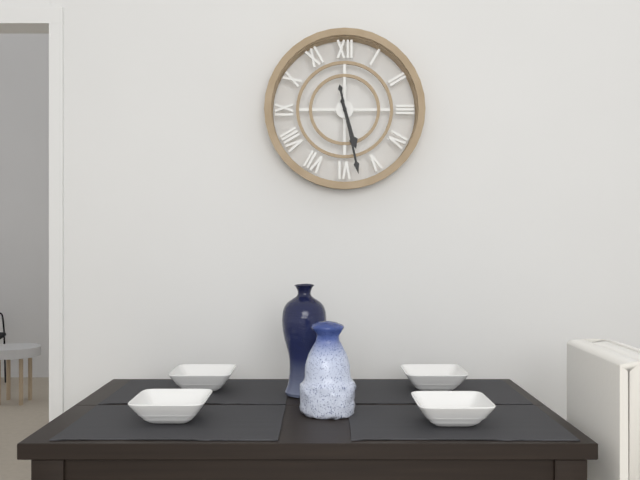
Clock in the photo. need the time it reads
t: 5:28
